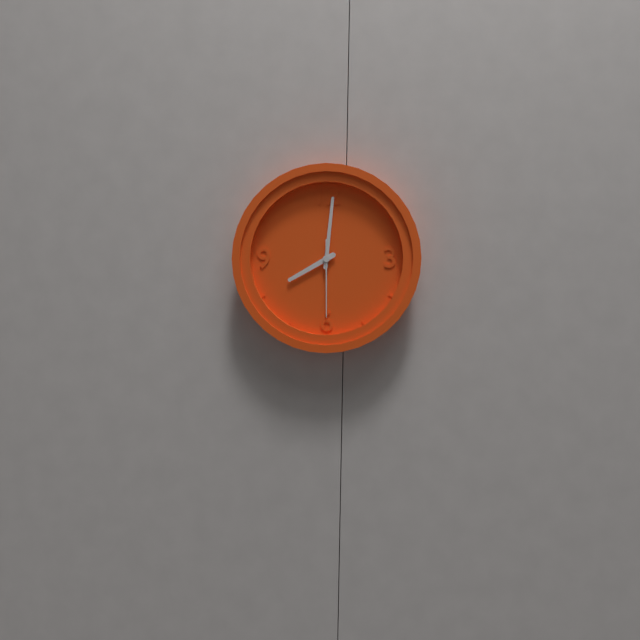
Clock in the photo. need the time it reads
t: 8:01:30
